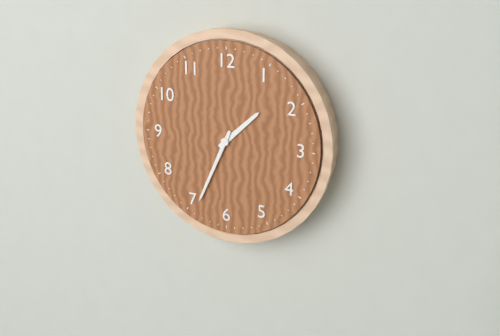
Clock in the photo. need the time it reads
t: 1:34
